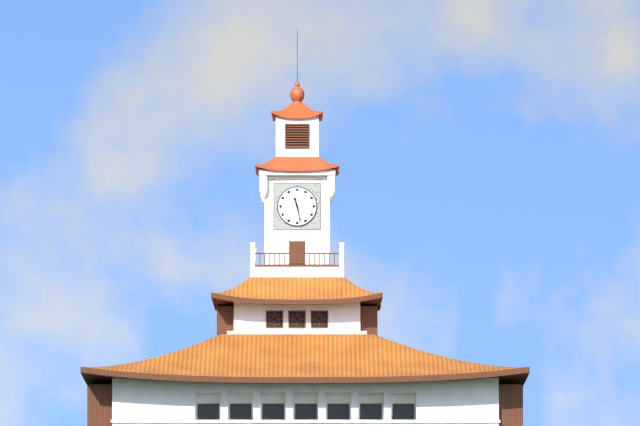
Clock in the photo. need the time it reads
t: 11:28
